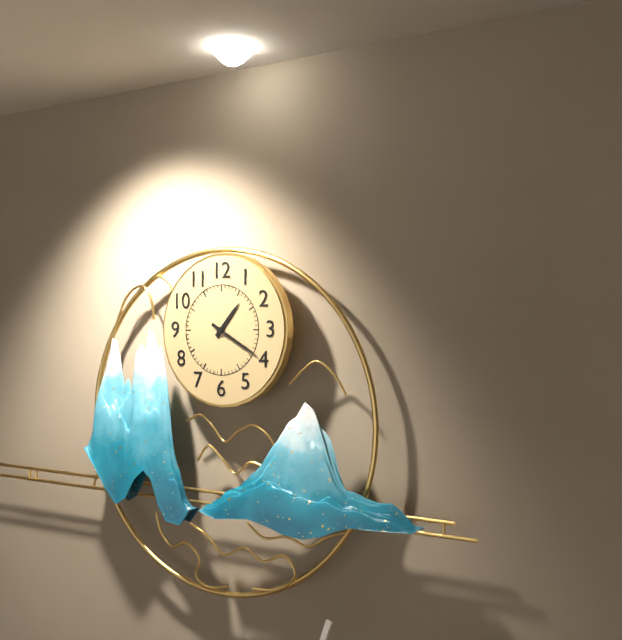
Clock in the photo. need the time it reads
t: 1:20
